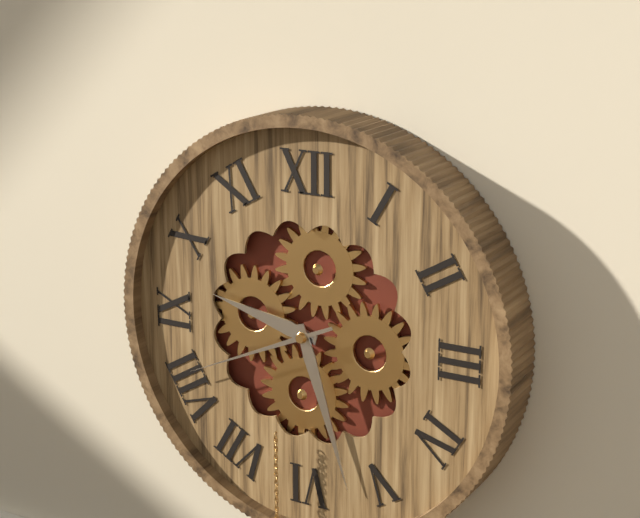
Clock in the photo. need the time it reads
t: 9:27:41
